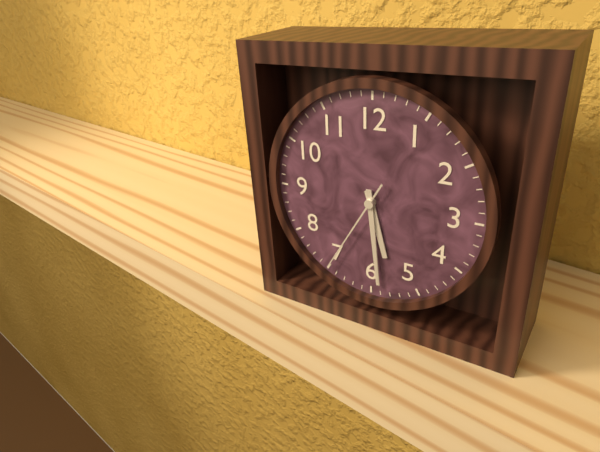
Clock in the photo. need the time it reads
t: 5:29:35
